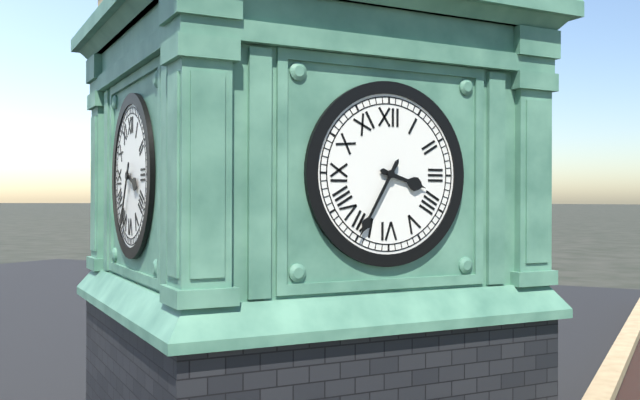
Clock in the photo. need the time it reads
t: 3:35
